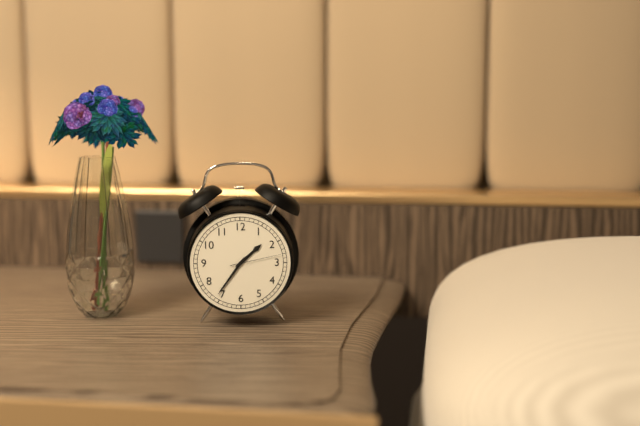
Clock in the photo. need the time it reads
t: 1:36:13
